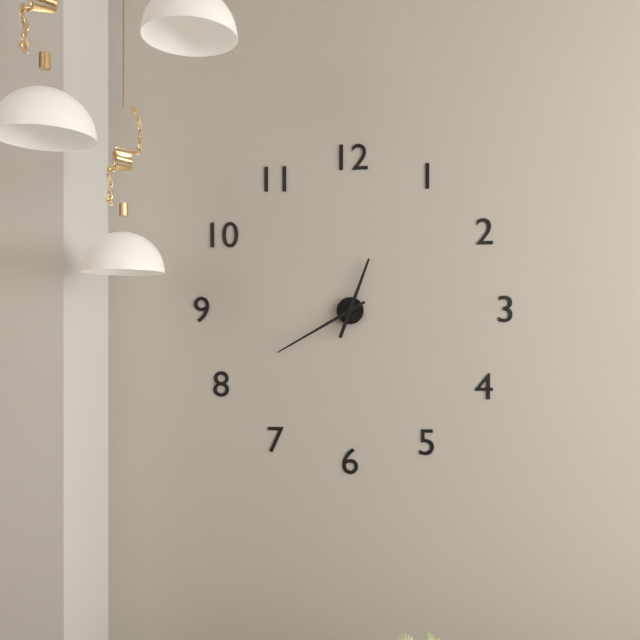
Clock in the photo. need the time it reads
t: 12:40
